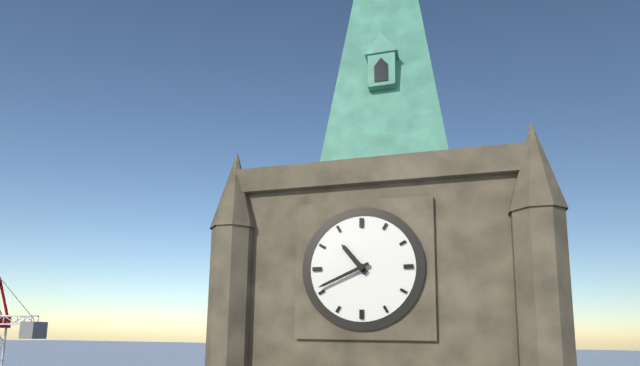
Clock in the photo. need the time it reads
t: 10:41
